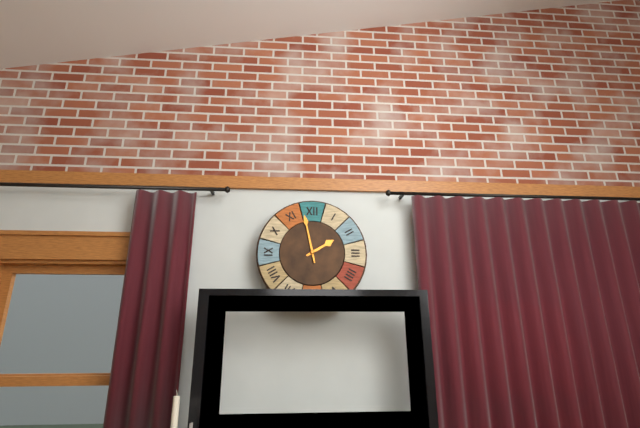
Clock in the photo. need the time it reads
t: 1:58
